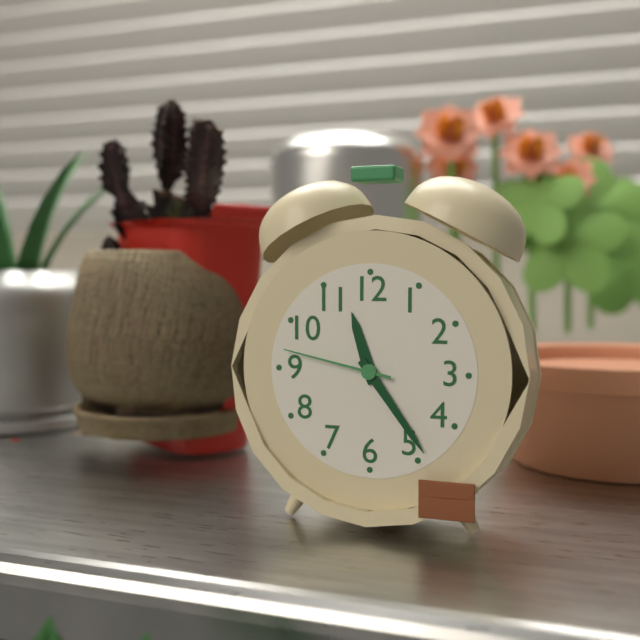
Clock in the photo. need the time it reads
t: 11:24:47
